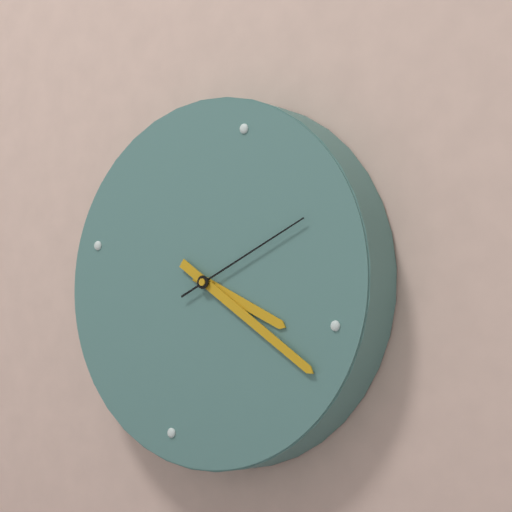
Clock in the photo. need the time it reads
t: 3:18:08
